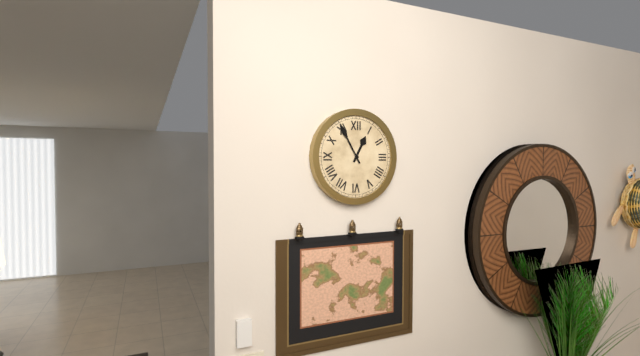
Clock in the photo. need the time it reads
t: 12:55
